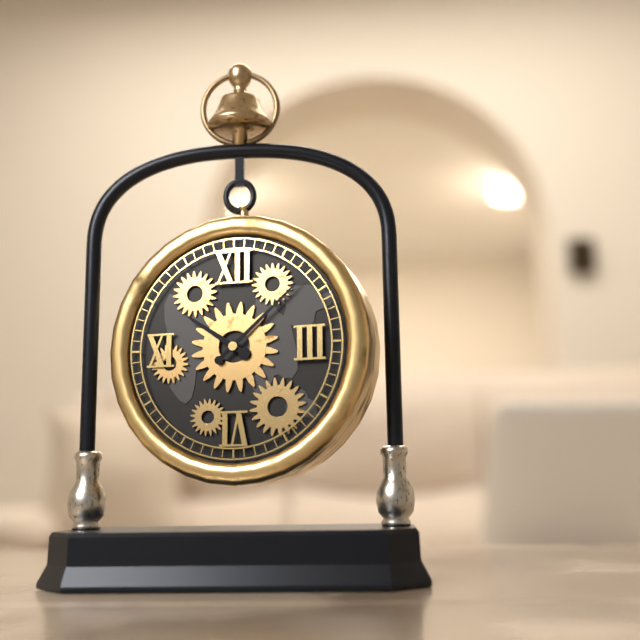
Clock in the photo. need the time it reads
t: 10:08
